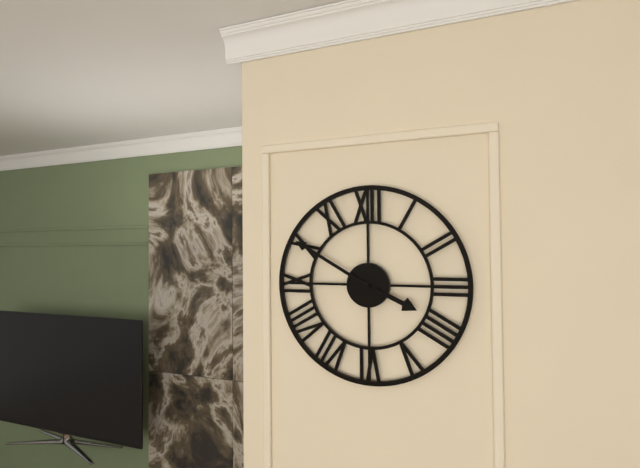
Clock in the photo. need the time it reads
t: 3:50
